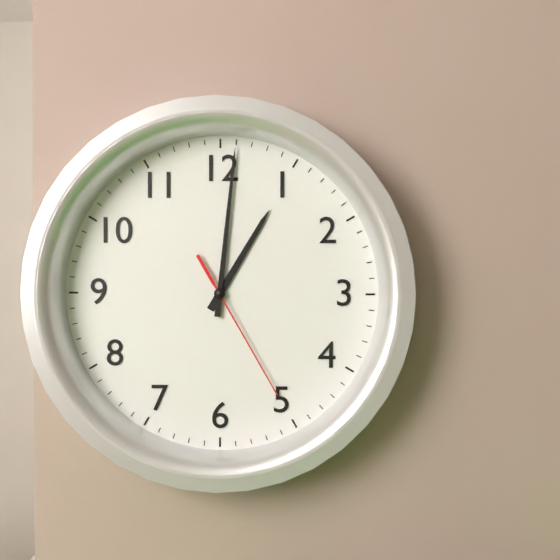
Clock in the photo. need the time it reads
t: 1:01:25
